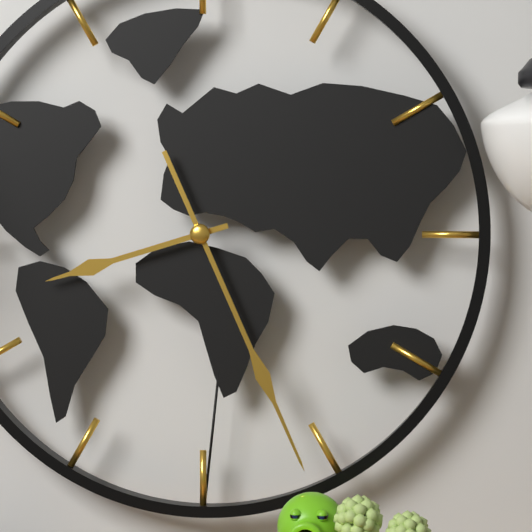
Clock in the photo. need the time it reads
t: 8:26
